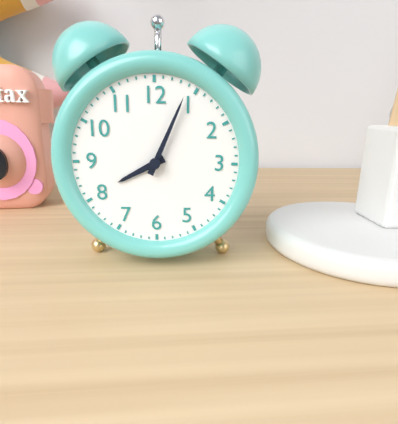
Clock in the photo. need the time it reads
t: 8:04
